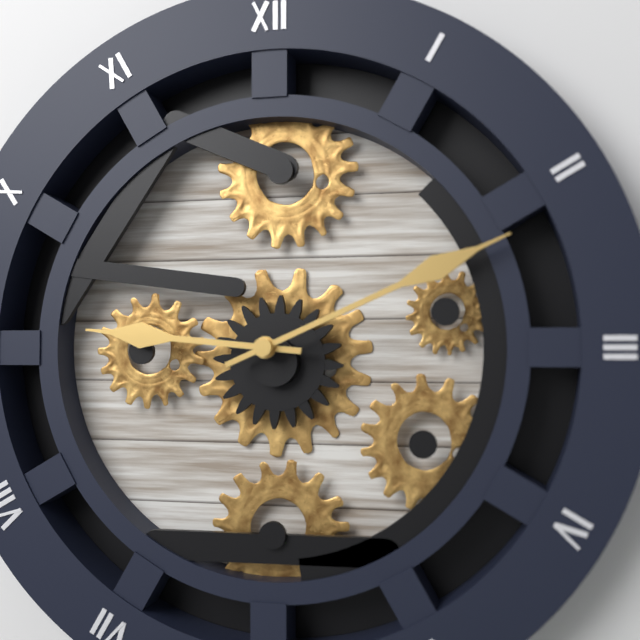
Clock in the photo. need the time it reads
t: 9:11
